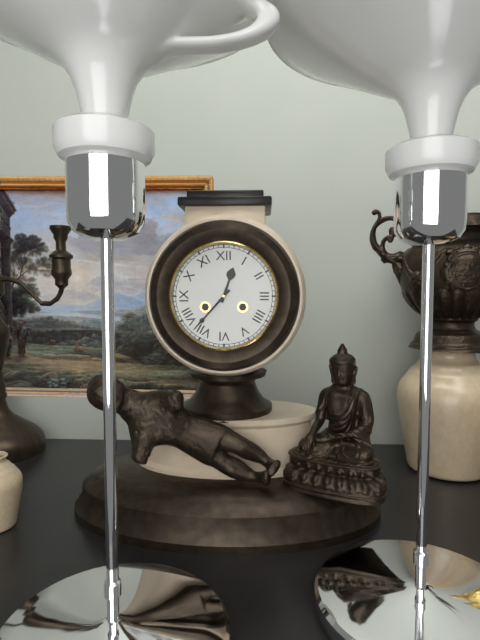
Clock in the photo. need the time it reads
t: 12:37
